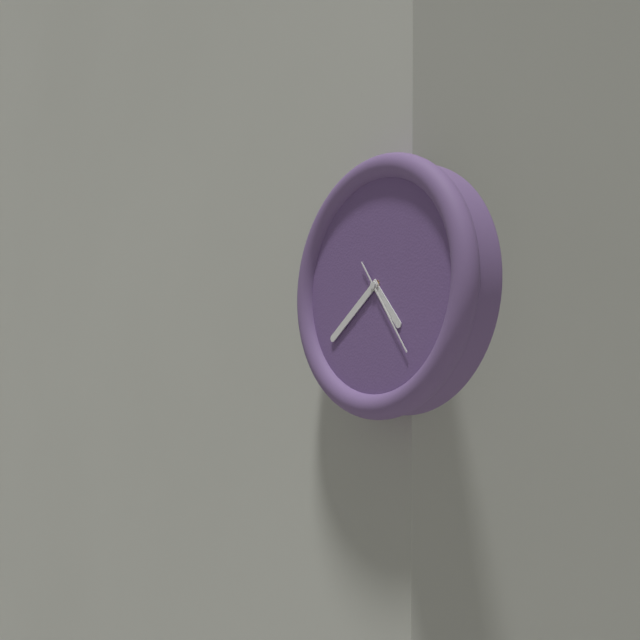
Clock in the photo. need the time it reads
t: 4:39:24
